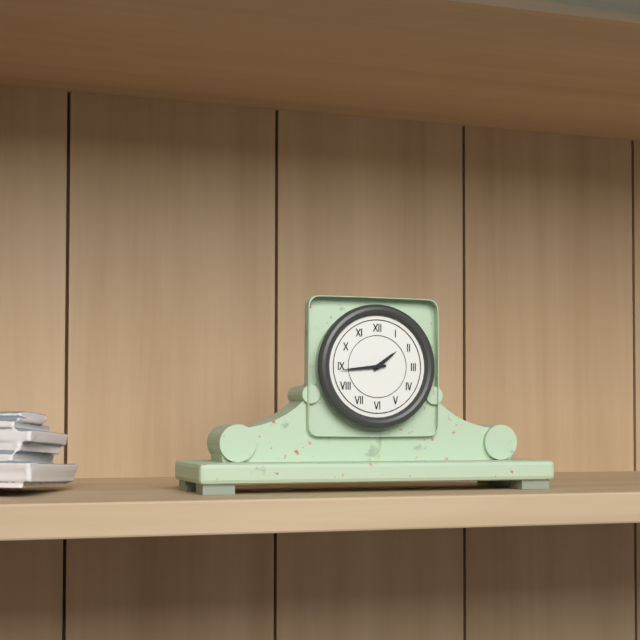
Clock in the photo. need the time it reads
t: 1:44
